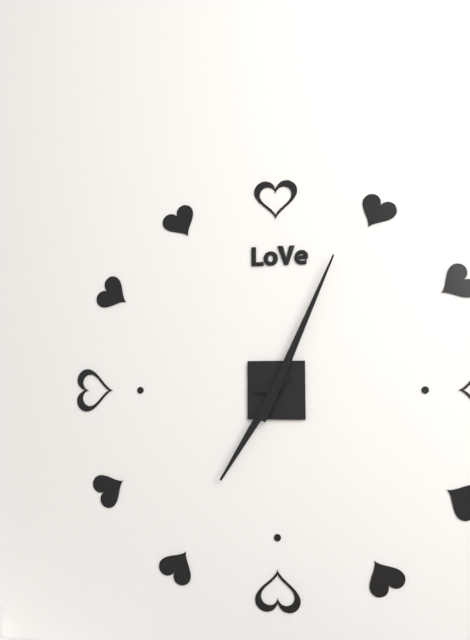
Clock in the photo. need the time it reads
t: 7:04
